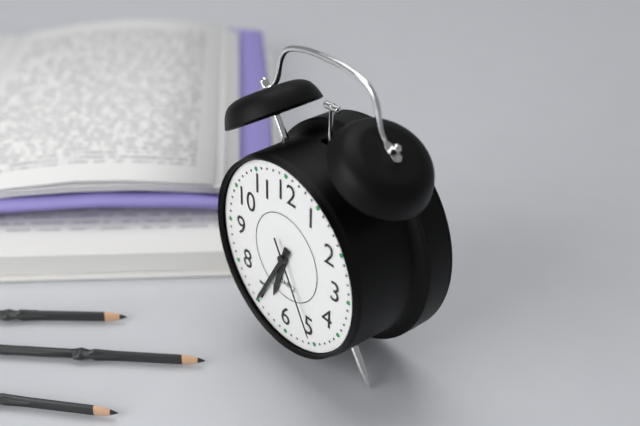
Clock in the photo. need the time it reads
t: 6:35:25
